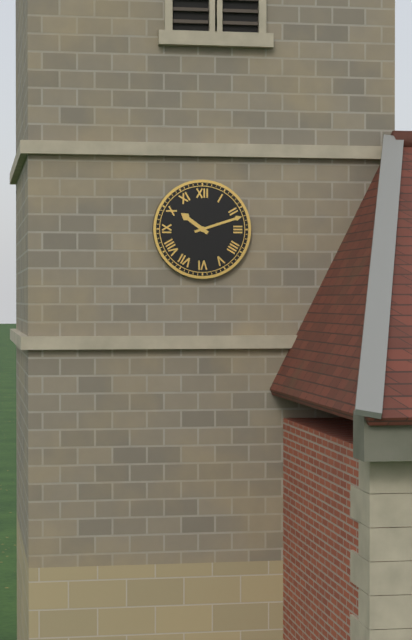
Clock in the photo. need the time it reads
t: 10:12
